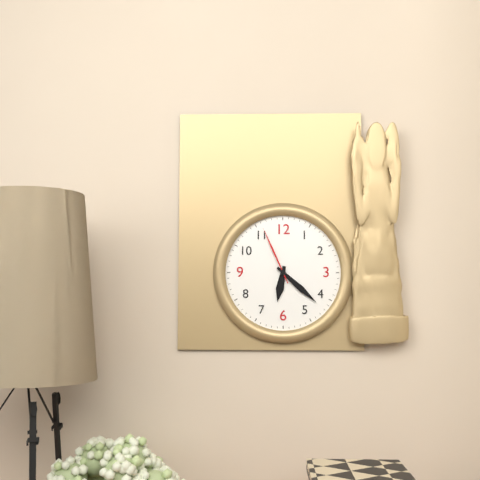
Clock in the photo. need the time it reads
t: 6:22:56
